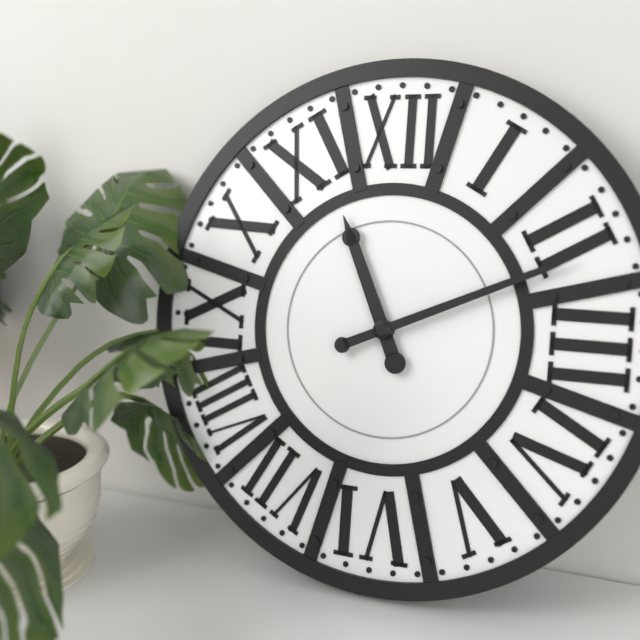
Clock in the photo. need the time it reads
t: 11:11
